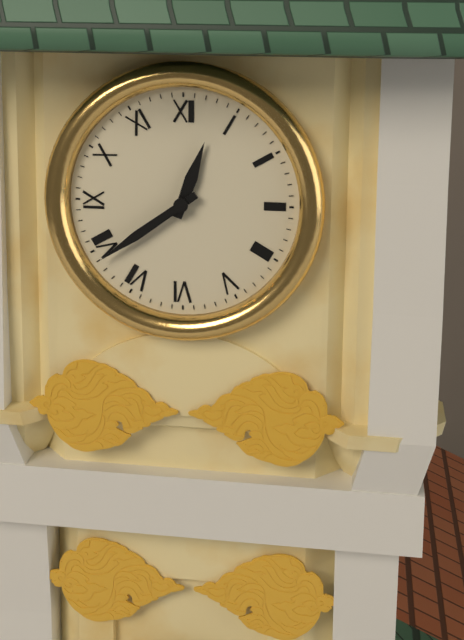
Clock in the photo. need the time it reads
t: 12:39
